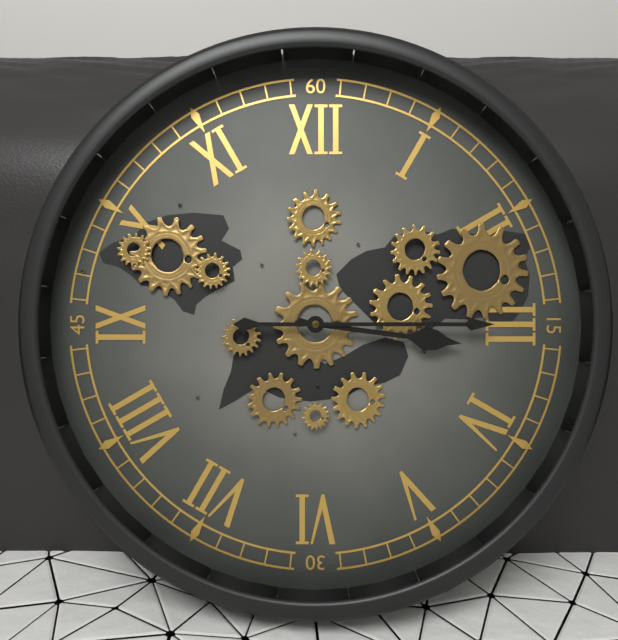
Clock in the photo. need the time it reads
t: 3:15
